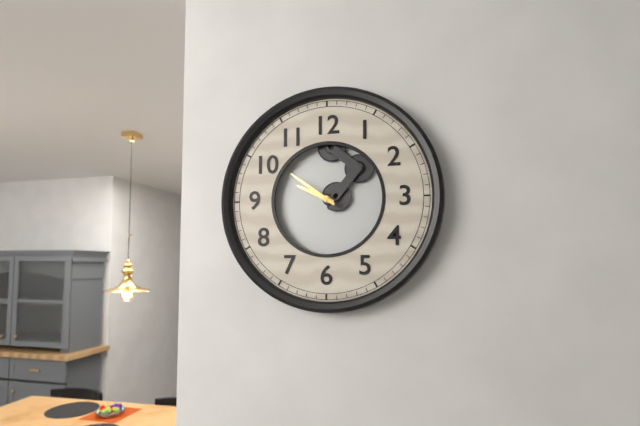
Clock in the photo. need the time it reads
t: 9:51
